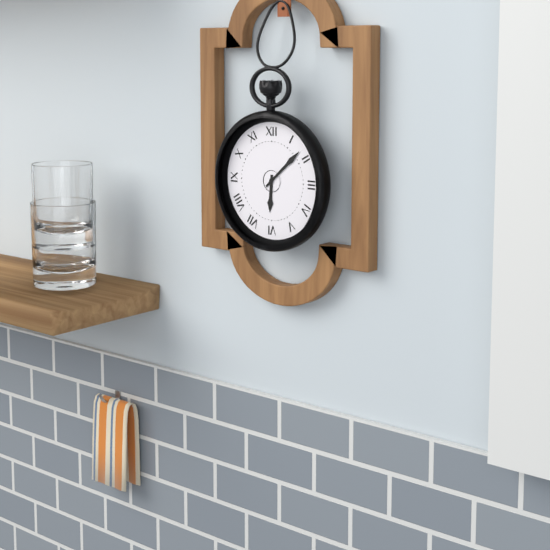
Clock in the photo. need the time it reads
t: 6:08
